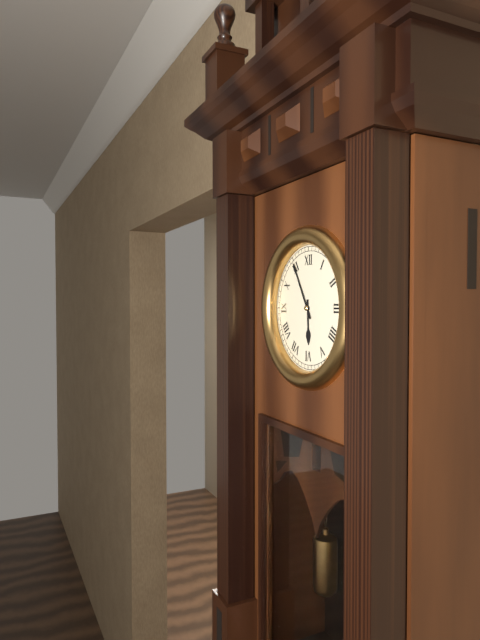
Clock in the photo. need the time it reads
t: 5:55
